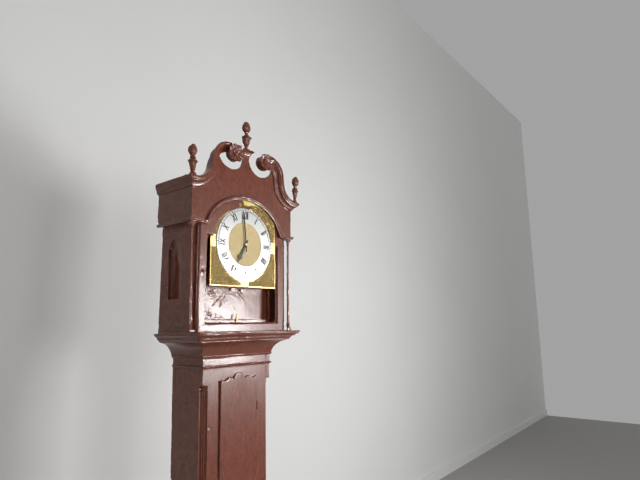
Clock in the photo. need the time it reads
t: 6:59
